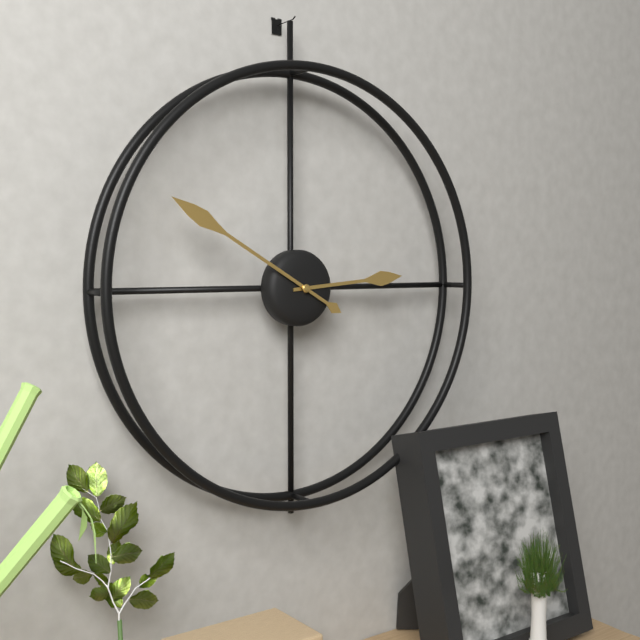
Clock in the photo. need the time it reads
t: 2:50
